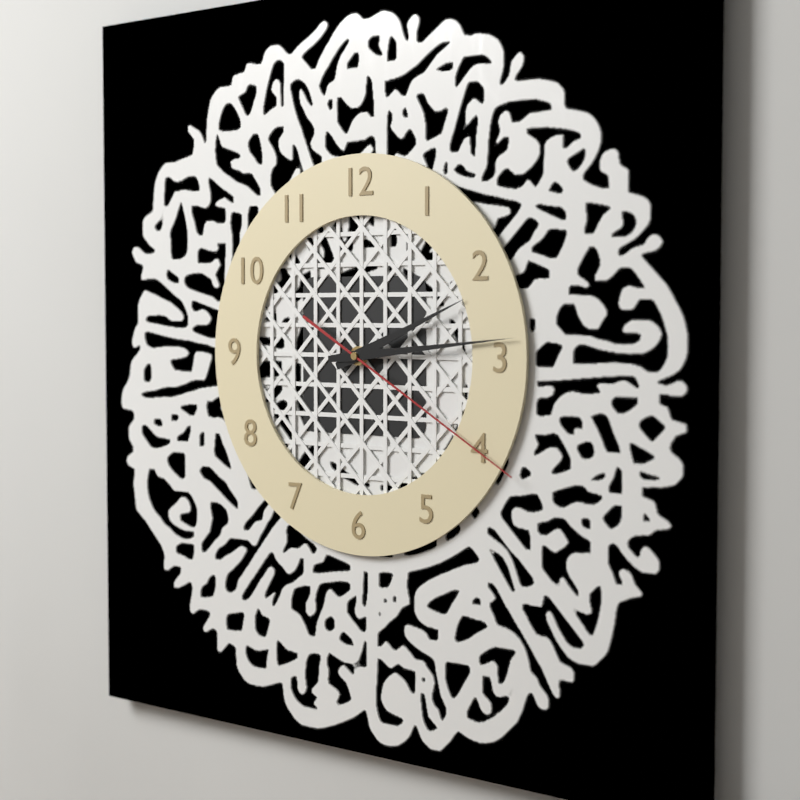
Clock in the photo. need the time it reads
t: 2:14:20
